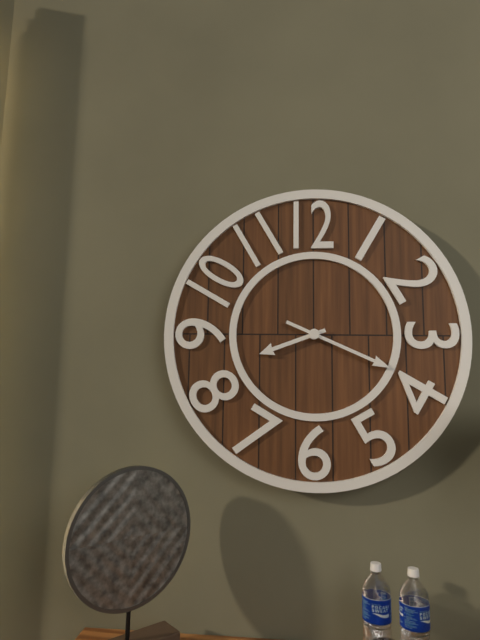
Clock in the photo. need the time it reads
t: 8:19
